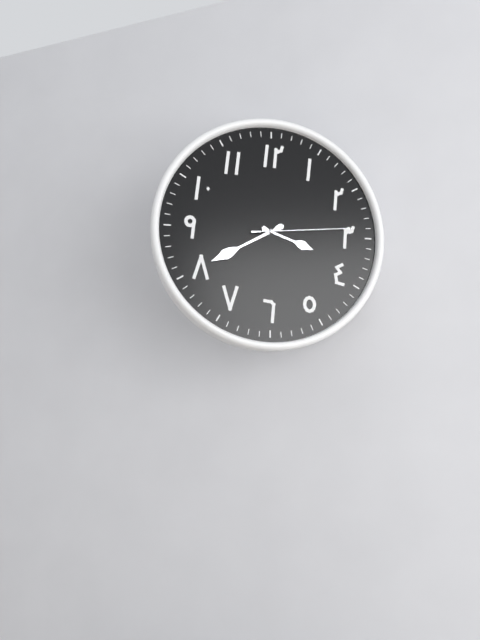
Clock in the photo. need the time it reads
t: 3:40:14
